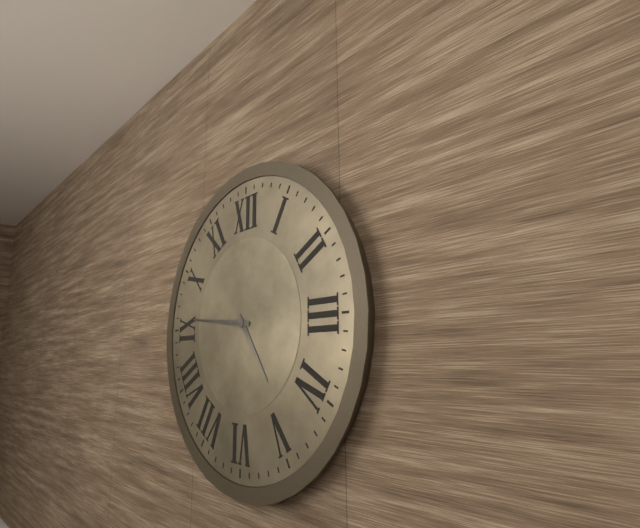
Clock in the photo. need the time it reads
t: 4:46
